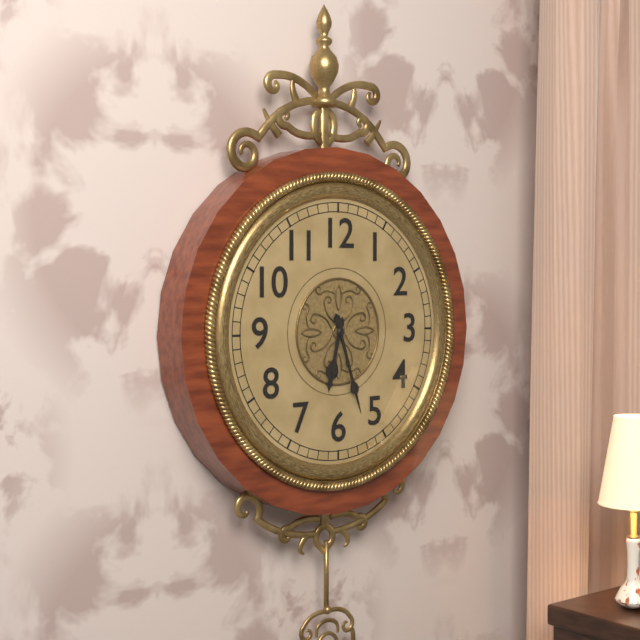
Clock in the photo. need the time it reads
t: 6:27
